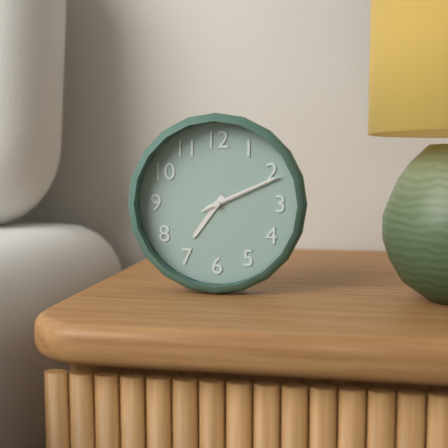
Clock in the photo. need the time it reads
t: 7:11:11
